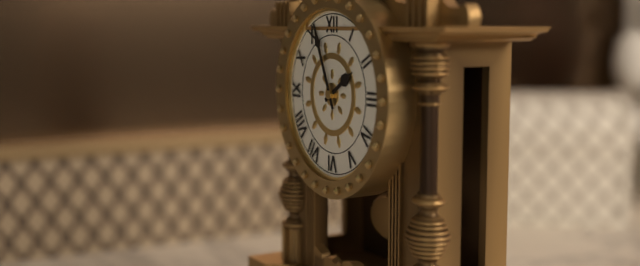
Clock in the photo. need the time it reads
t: 1:56
